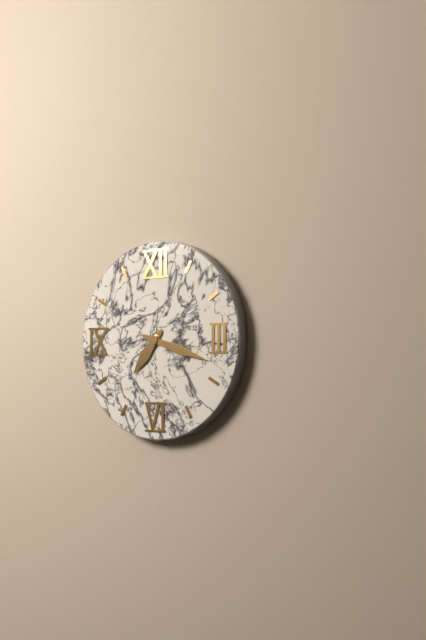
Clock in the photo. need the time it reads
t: 7:18
